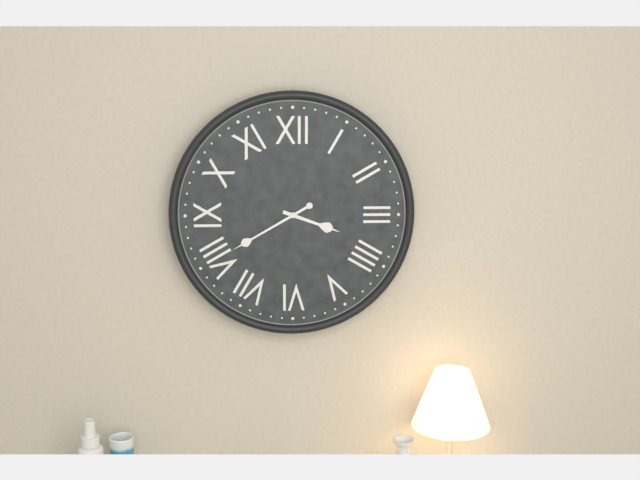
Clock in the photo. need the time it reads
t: 3:40
